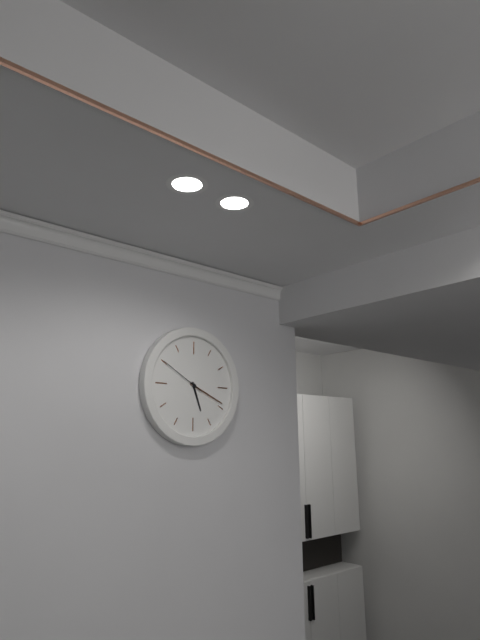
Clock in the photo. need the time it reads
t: 5:19
